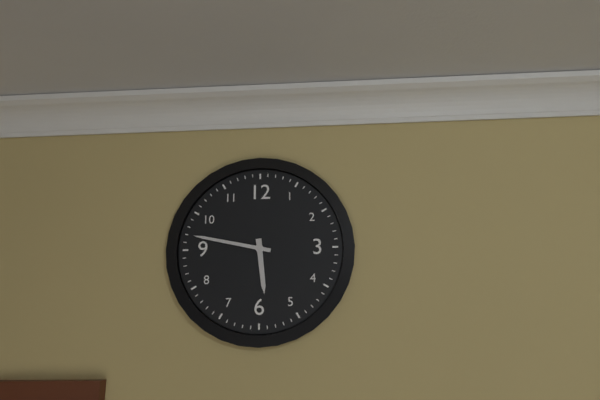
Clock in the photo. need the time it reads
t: 5:47
